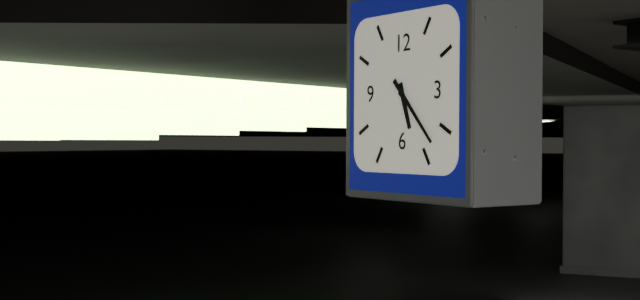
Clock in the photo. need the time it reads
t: 5:23
